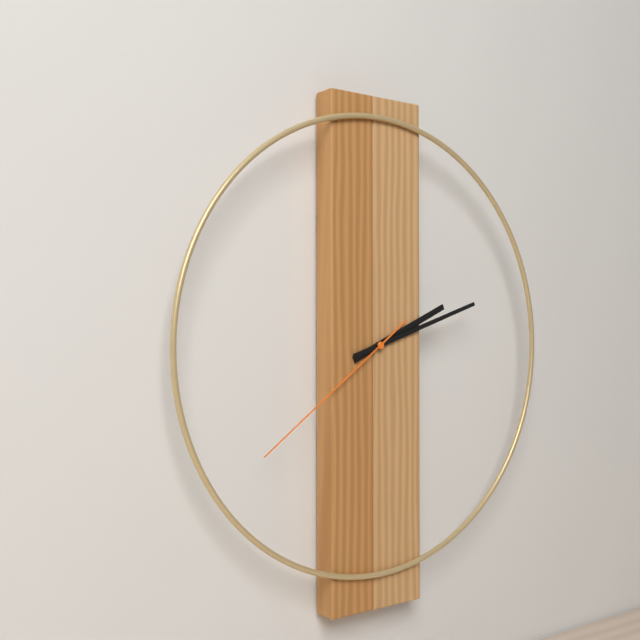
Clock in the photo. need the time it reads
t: 2:12:39
